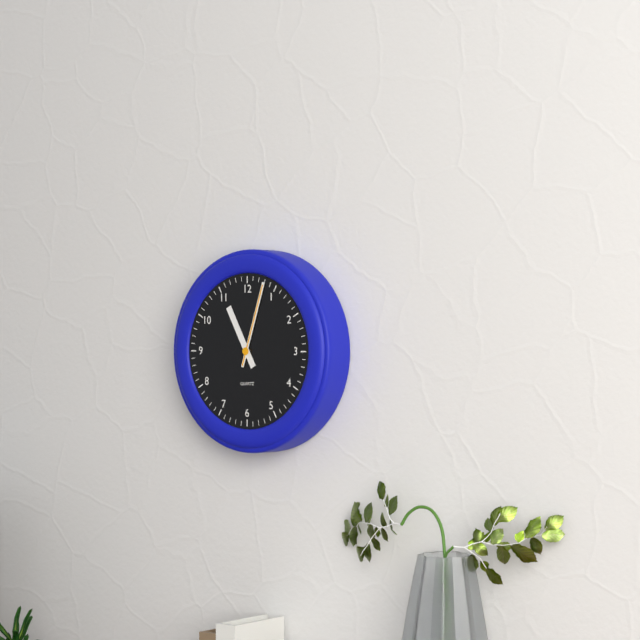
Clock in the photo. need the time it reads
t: 11:03:03
